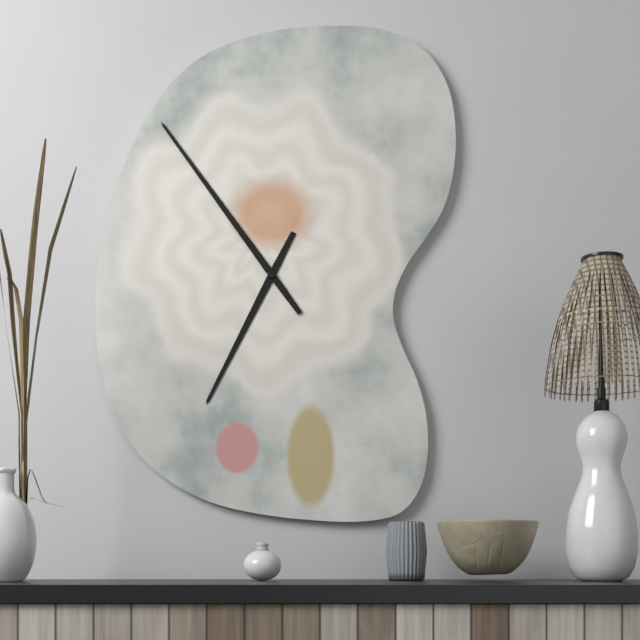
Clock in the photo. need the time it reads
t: 6:54
